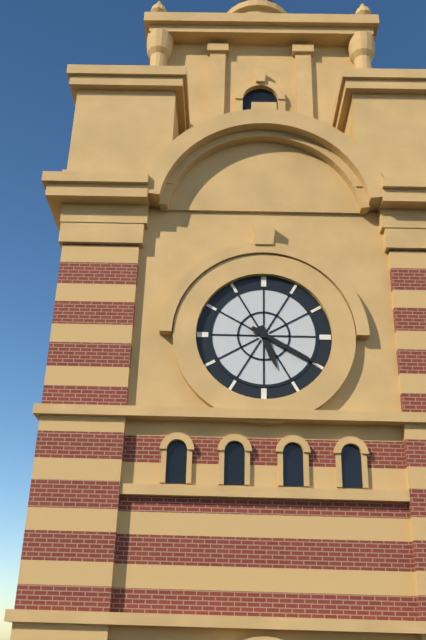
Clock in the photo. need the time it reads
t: 5:20
